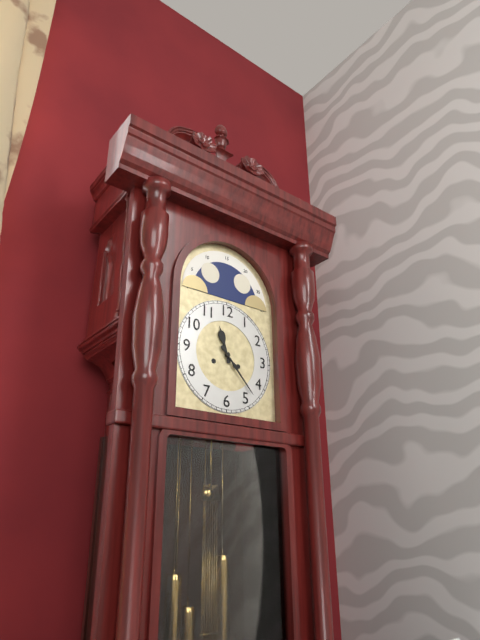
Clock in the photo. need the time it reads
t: 11:23
